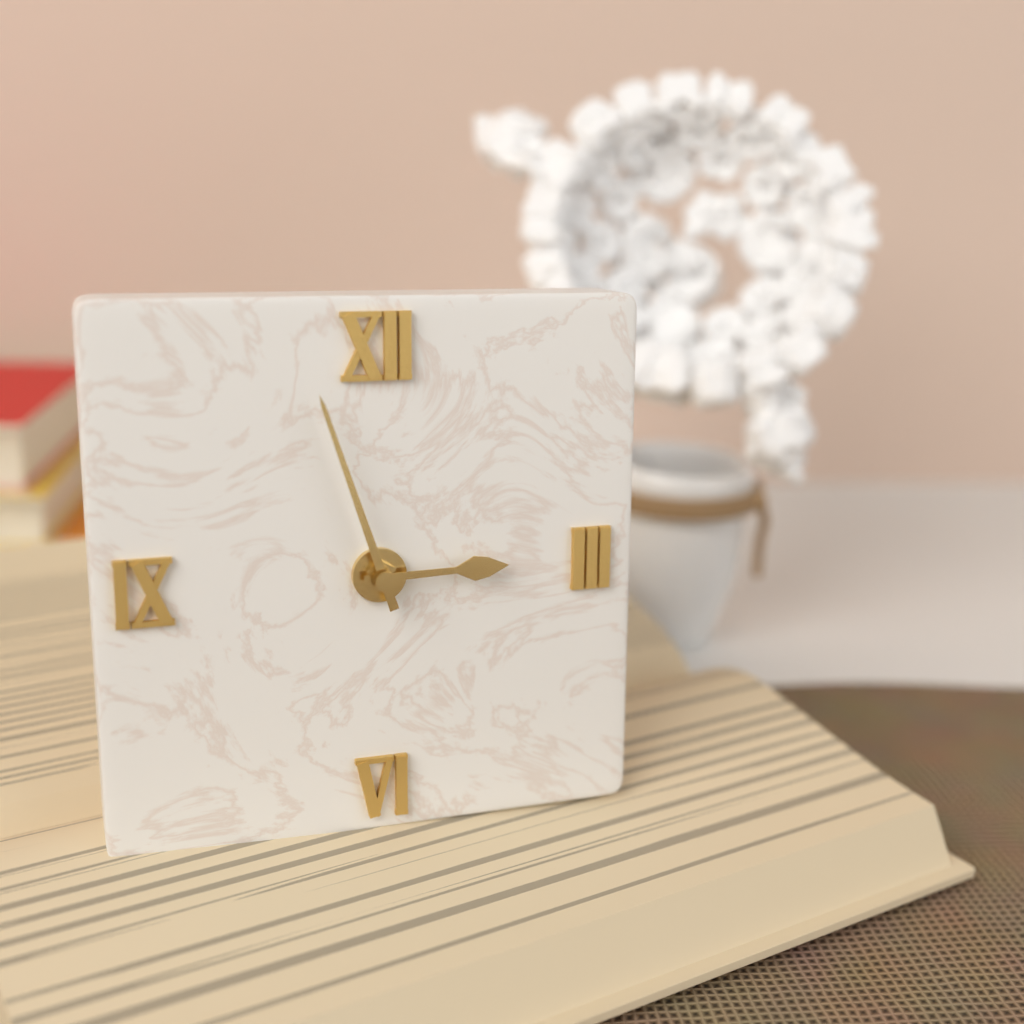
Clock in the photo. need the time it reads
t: 2:57
